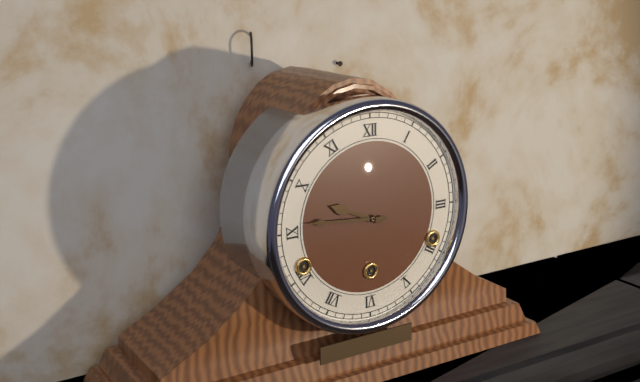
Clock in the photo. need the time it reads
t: 9:46
